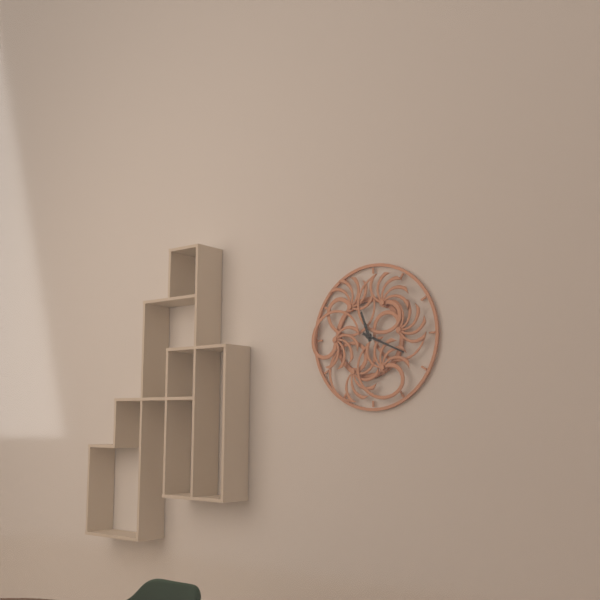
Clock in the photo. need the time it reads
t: 11:19
